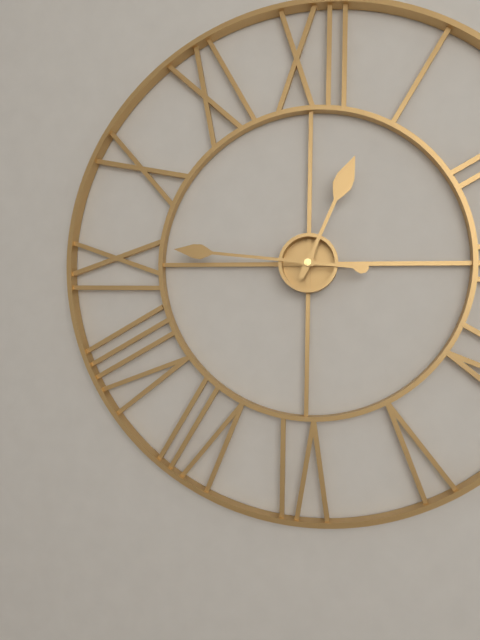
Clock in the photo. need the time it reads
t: 12:46
